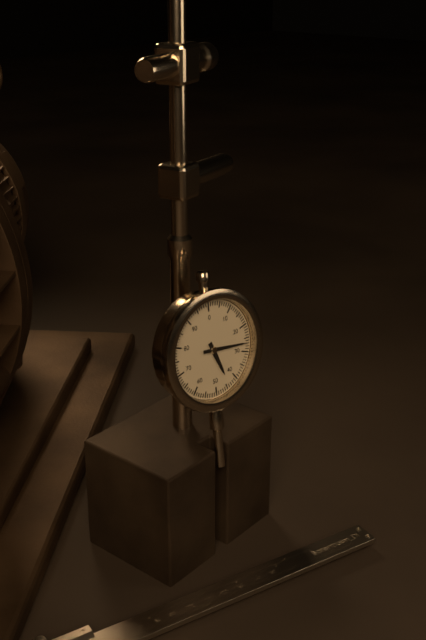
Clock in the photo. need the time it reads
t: 5:16
